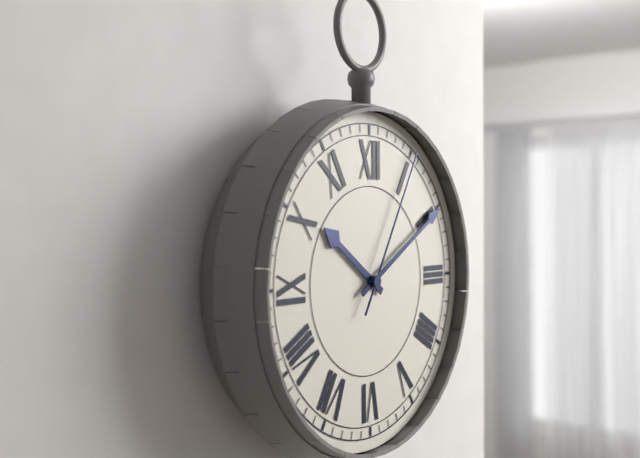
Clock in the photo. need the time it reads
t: 10:10:05
